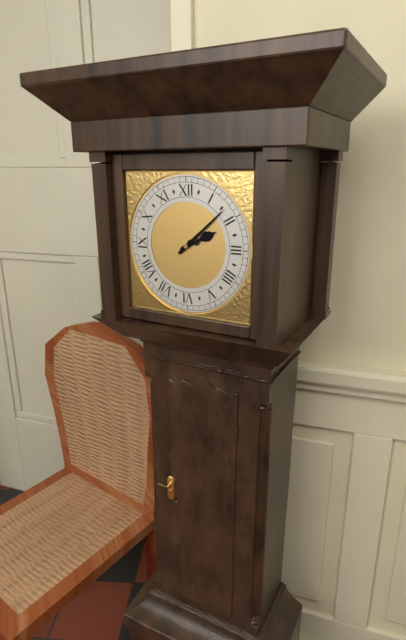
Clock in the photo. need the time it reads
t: 2:08
